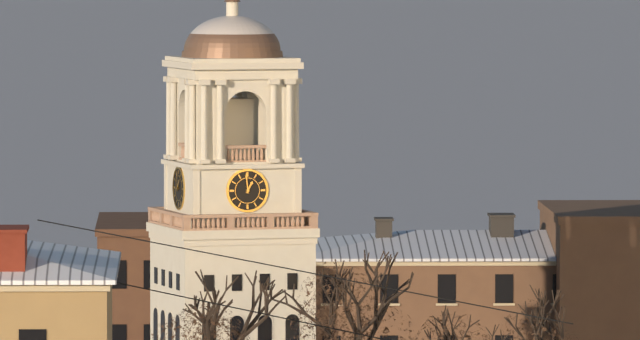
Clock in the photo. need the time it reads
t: 12:59
